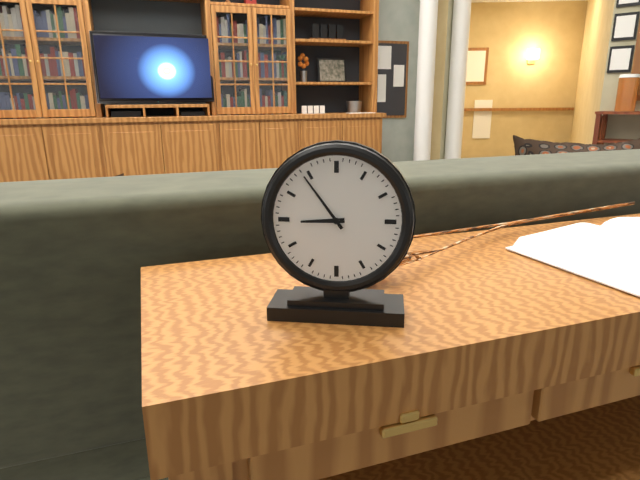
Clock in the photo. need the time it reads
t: 8:54
